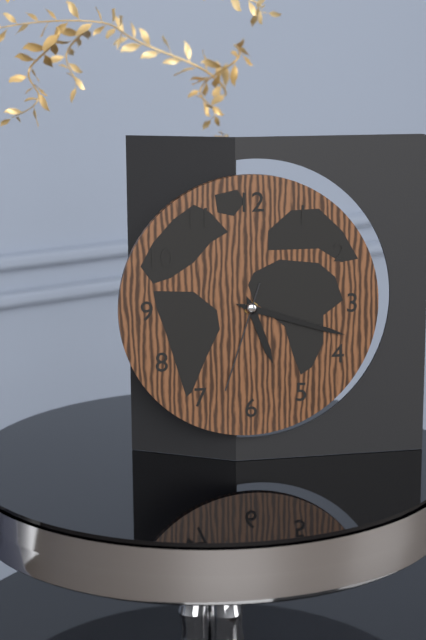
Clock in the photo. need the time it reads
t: 5:18:33
